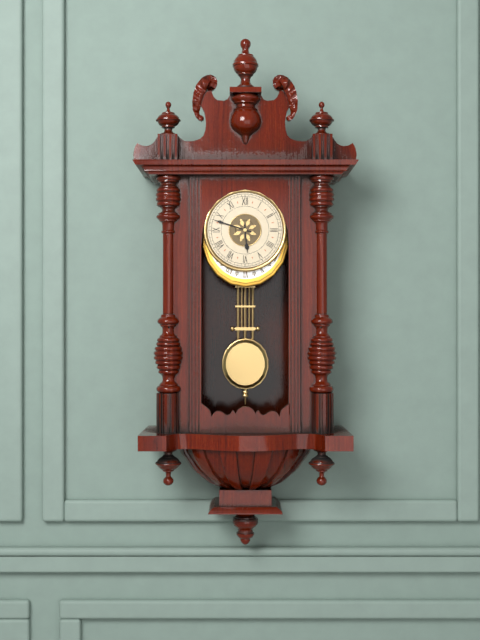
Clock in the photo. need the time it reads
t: 5:48
